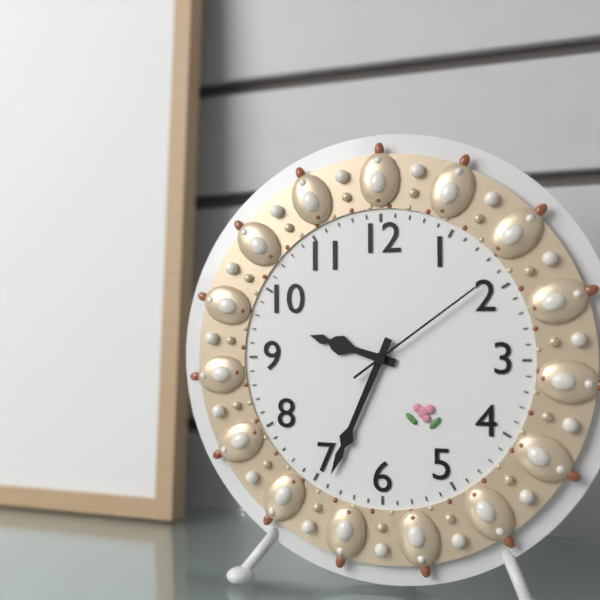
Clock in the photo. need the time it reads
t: 9:34:09
